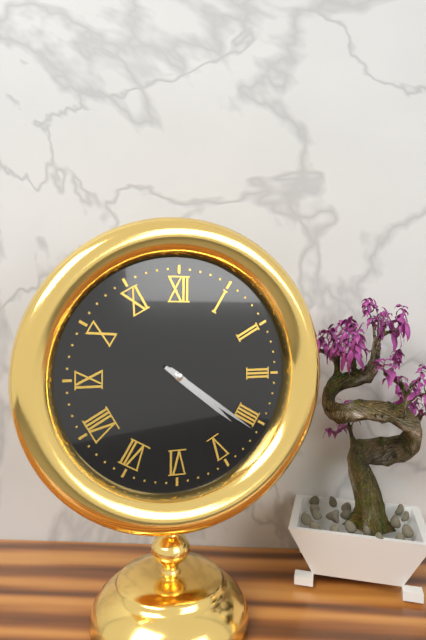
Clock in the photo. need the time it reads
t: 4:21
